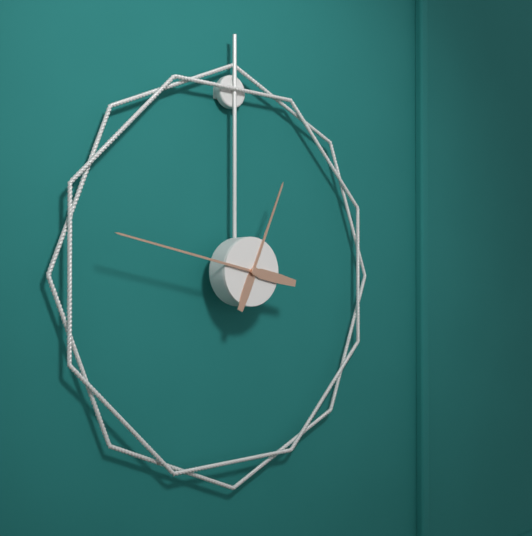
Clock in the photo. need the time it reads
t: 12:47
